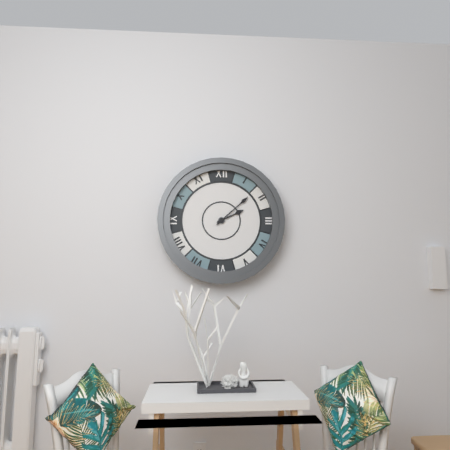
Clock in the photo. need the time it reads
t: 2:08
